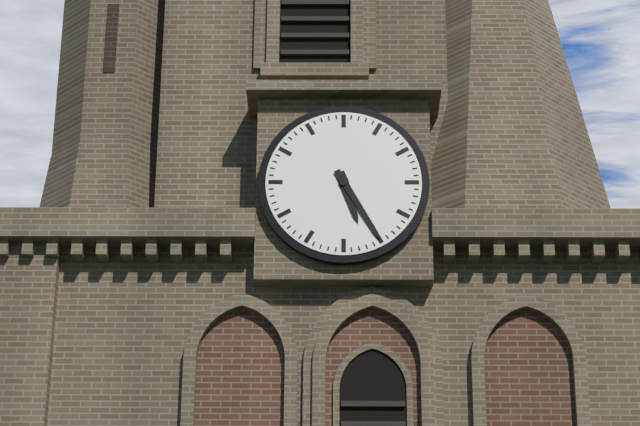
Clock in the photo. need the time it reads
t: 5:25
